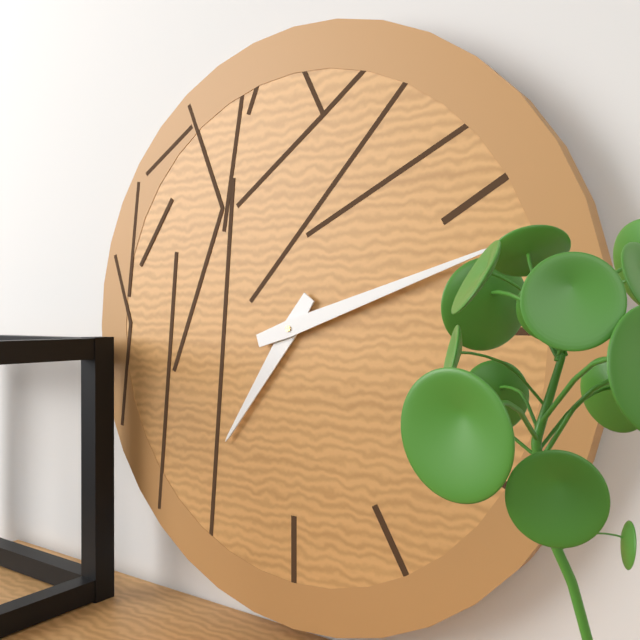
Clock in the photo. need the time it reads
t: 7:12
